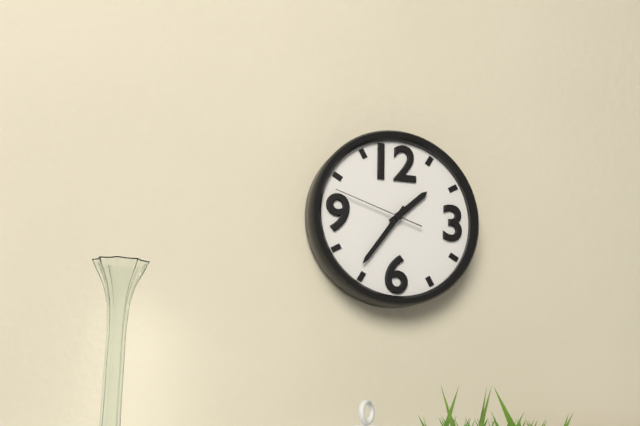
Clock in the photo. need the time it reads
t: 1:36:48
